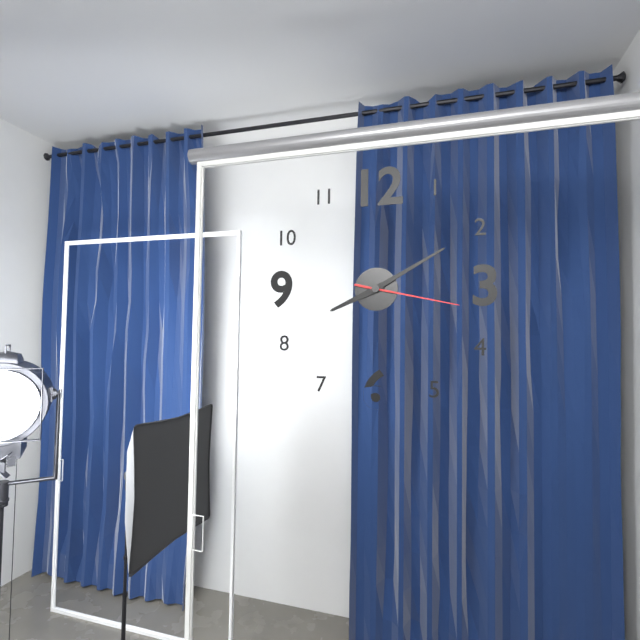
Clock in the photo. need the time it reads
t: 8:10:17
